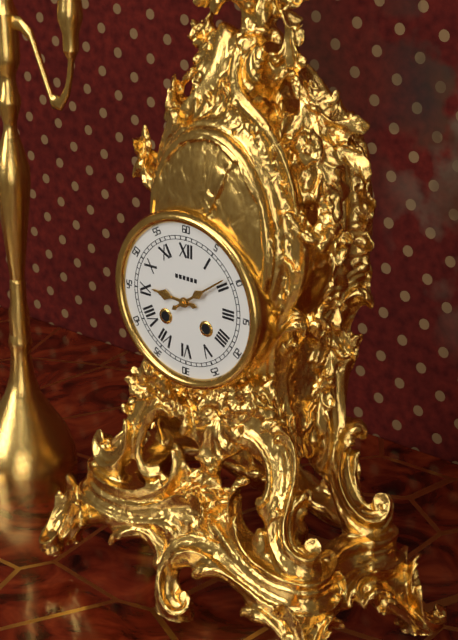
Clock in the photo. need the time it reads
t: 9:09
